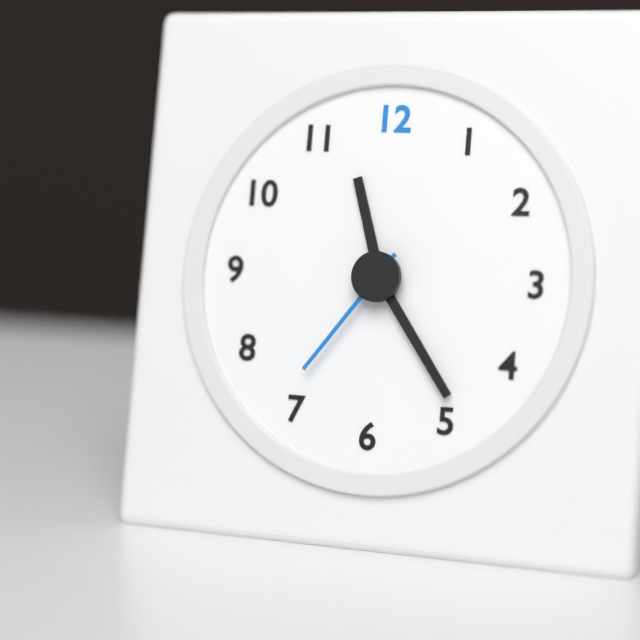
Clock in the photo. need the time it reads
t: 11:24:36
